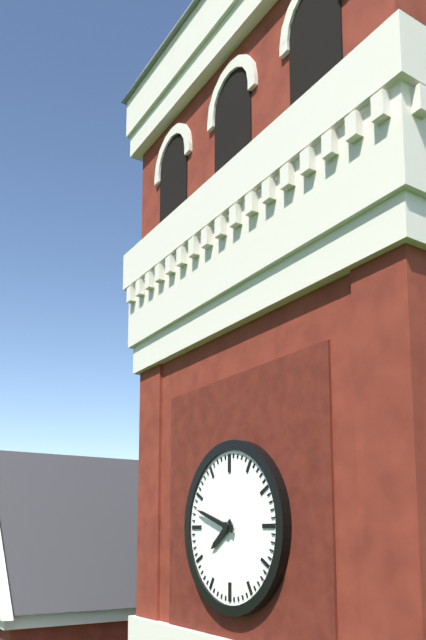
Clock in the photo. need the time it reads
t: 7:48
